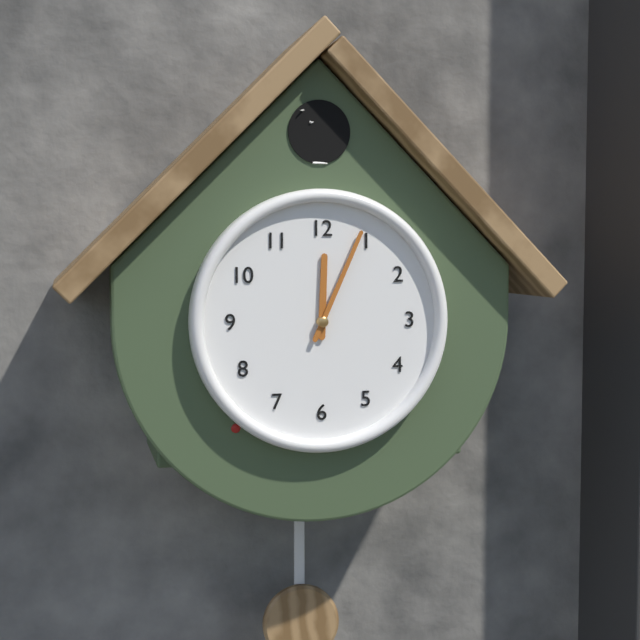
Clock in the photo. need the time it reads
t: 12:04
